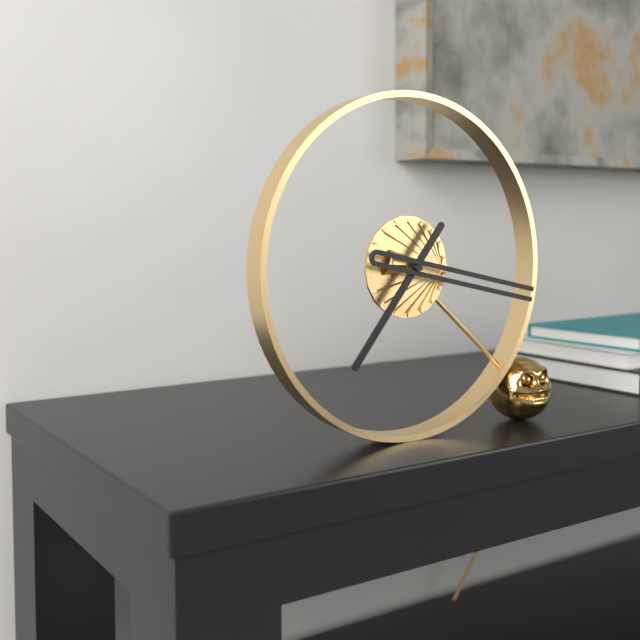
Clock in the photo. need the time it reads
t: 7:17
